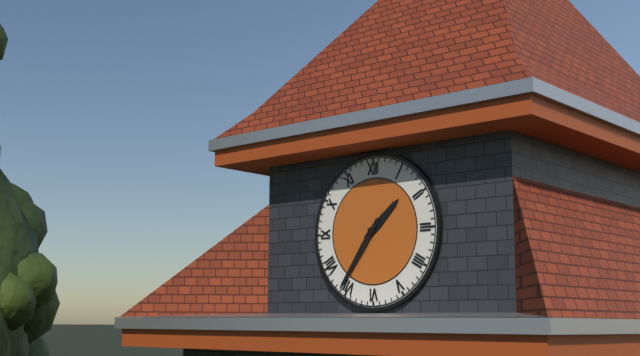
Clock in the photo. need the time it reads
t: 1:36
